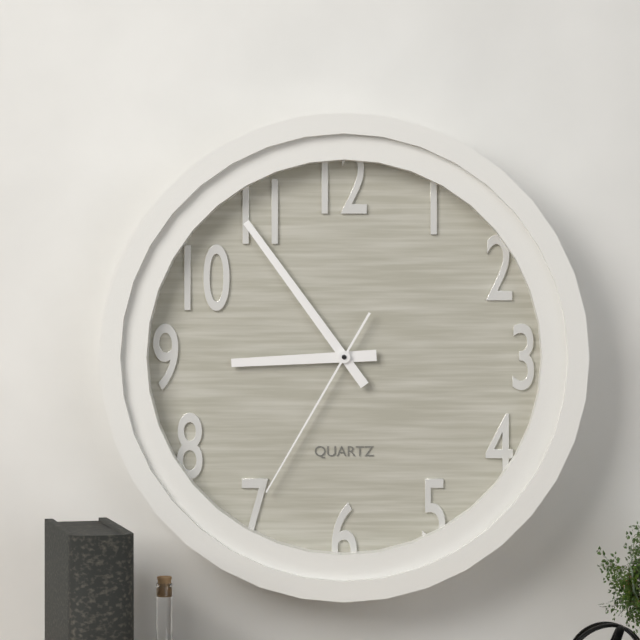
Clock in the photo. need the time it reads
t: 8:54:35
